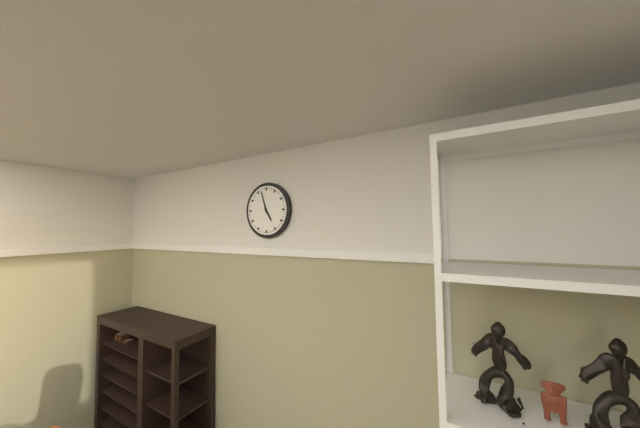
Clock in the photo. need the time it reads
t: 4:57
